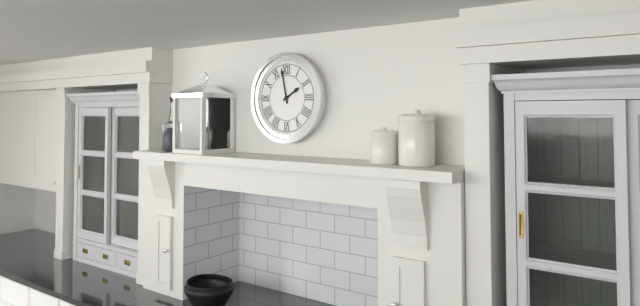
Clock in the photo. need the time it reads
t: 1:58
